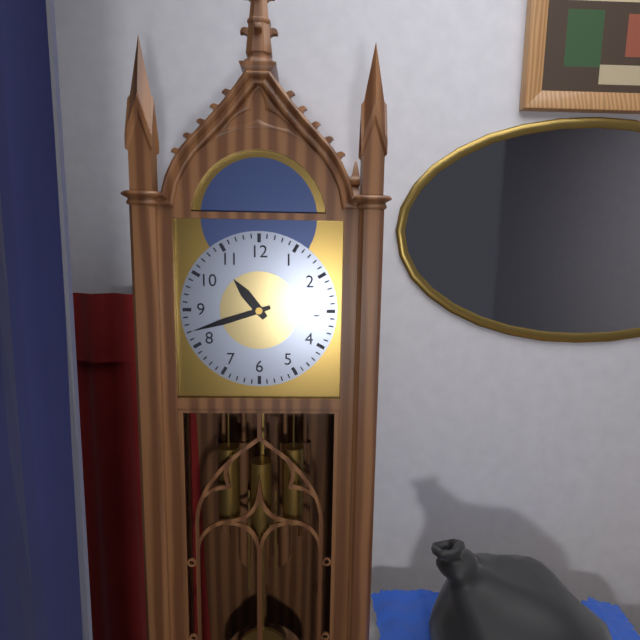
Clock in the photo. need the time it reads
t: 10:42
